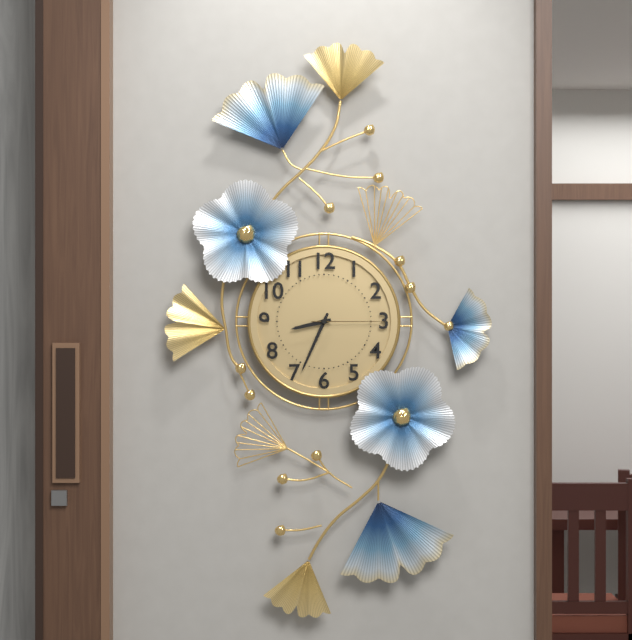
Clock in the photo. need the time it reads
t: 8:34:15
